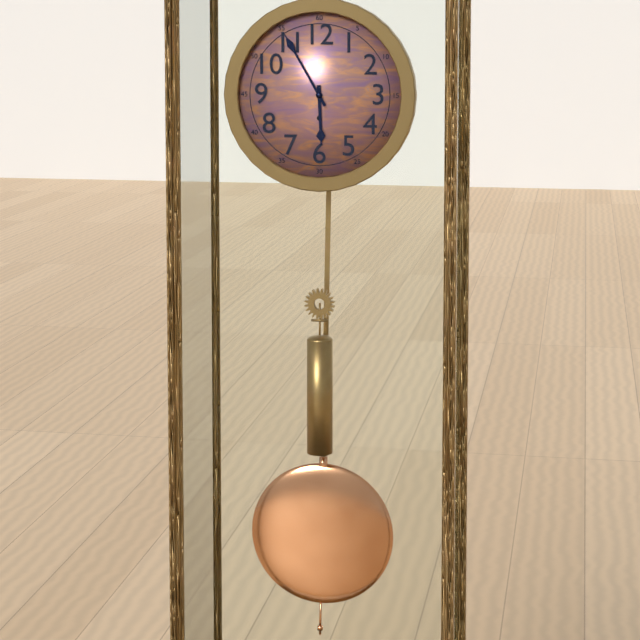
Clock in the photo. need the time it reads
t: 5:55
